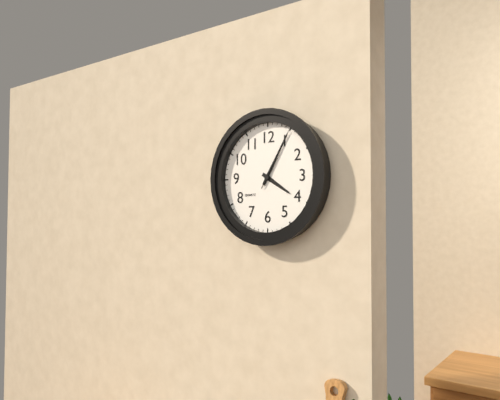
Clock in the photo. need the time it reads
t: 4:05:05
